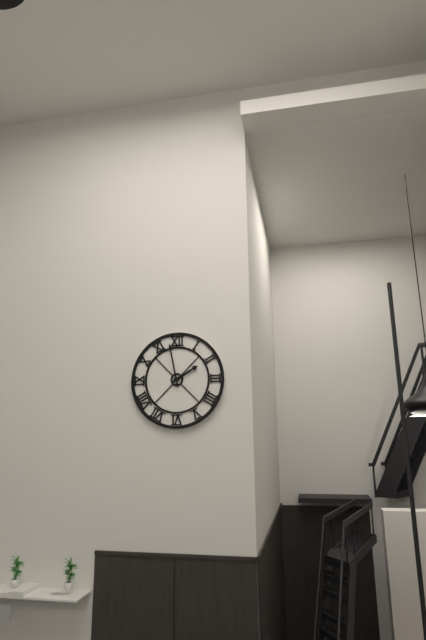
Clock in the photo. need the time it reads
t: 1:58
